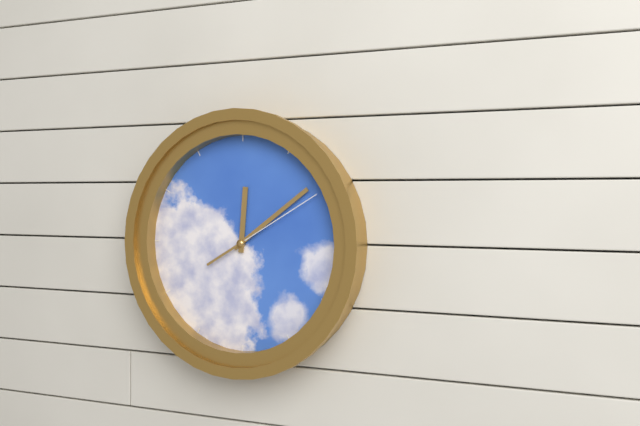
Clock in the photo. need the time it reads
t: 12:09:10
